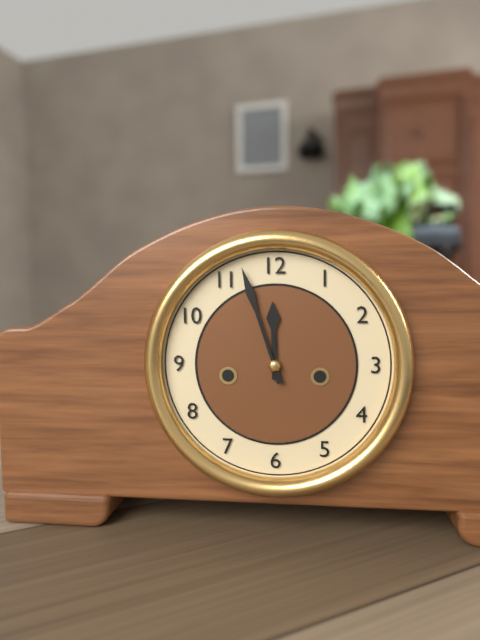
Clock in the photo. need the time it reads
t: 11:57
